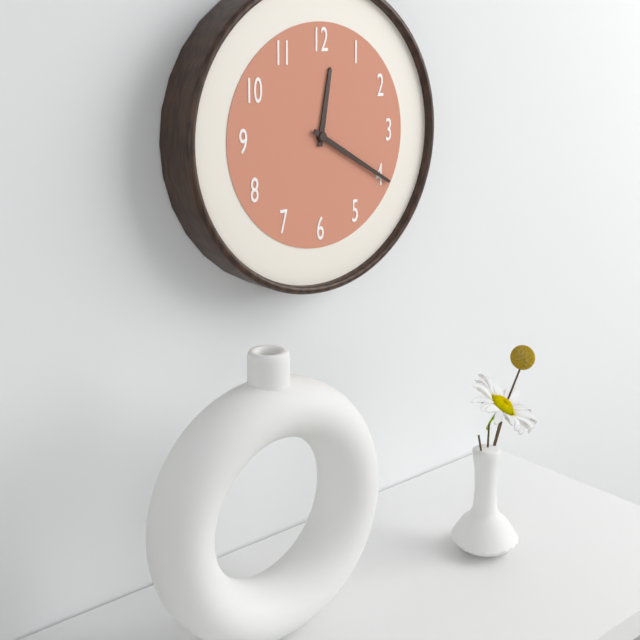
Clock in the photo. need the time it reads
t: 12:20
